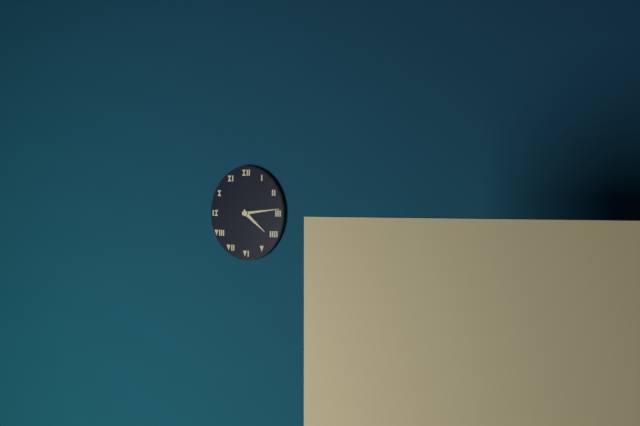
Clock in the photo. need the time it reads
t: 4:14
